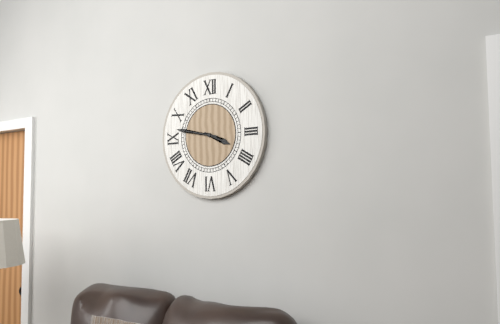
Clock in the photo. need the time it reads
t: 3:47
